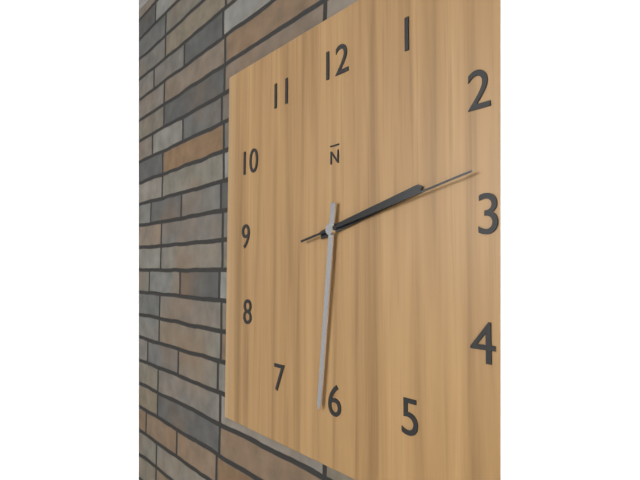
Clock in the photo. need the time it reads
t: 2:31:13
